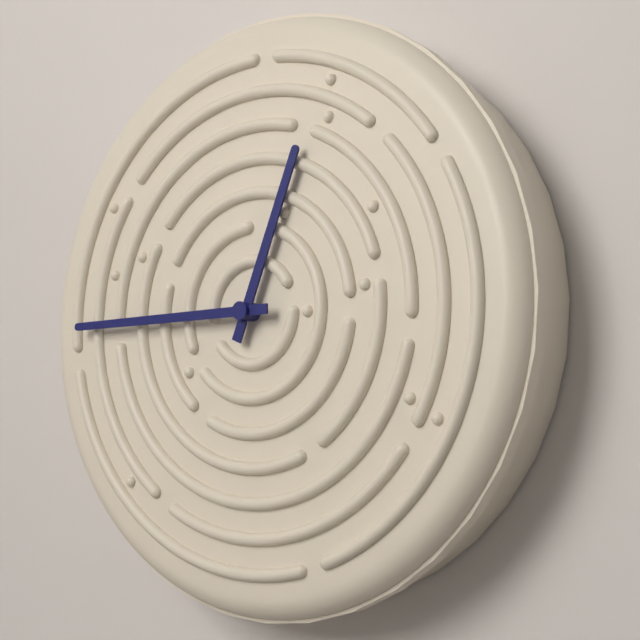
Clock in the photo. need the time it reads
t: 12:45
